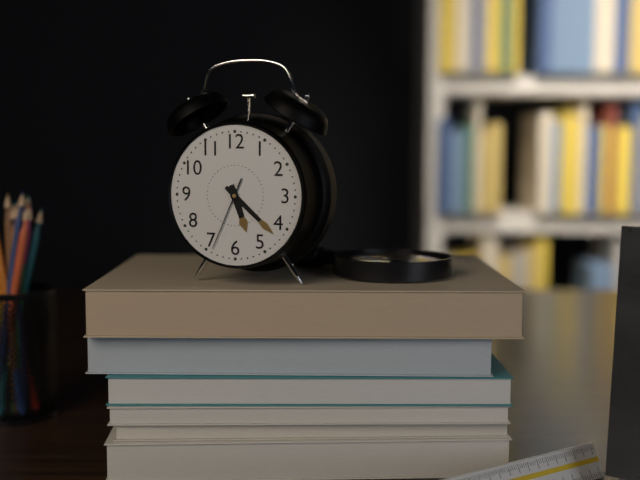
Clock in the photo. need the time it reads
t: 5:22:34
